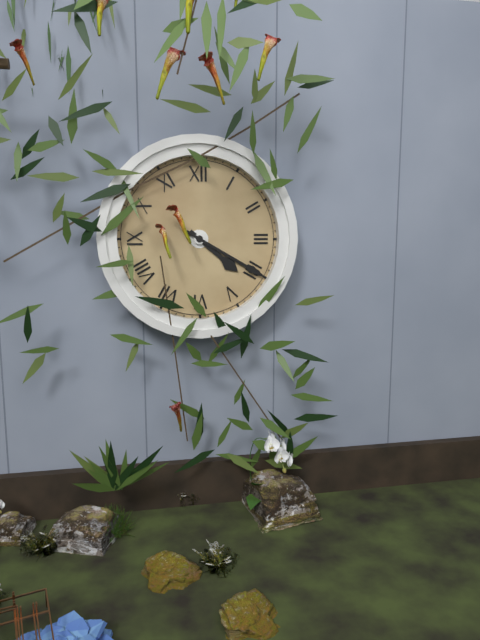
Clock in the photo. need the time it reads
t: 4:20
